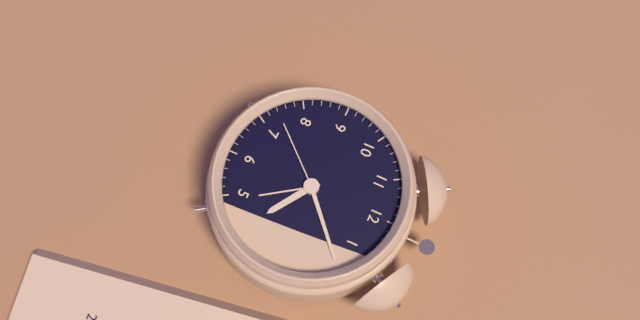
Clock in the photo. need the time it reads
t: 4:08:37
